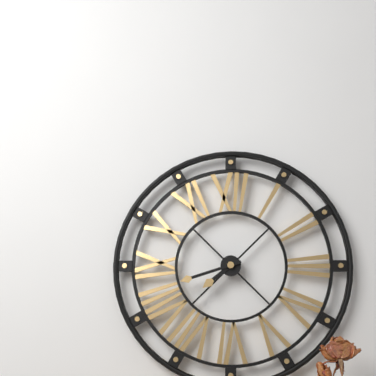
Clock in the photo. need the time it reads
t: 7:42
